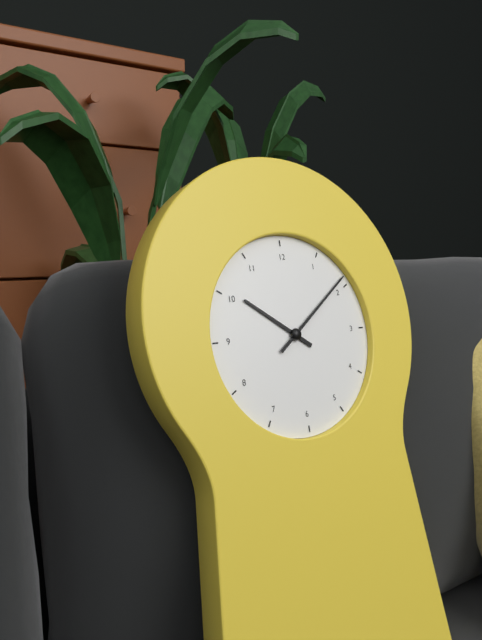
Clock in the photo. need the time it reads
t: 10:09
